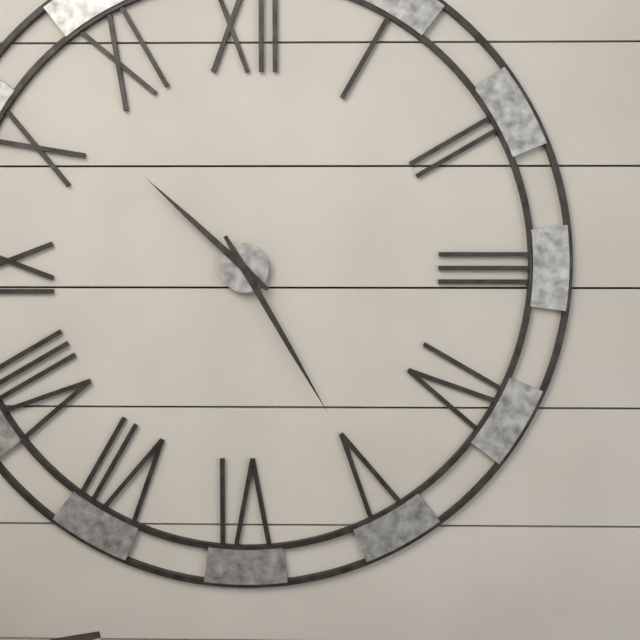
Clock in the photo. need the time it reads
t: 10:25
